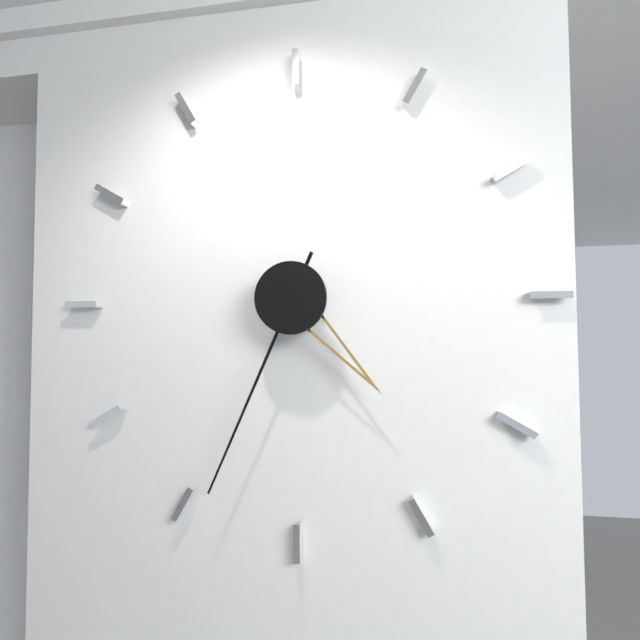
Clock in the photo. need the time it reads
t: 4:34
